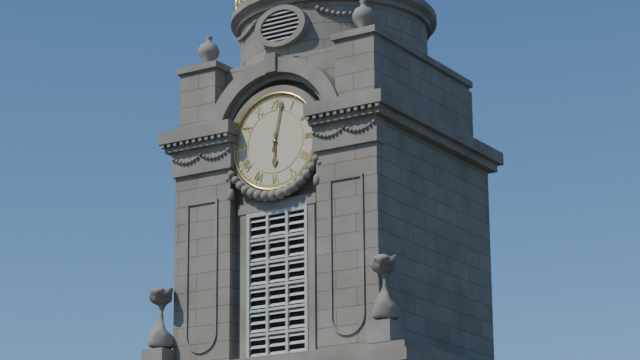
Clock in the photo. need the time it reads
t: 6:02
